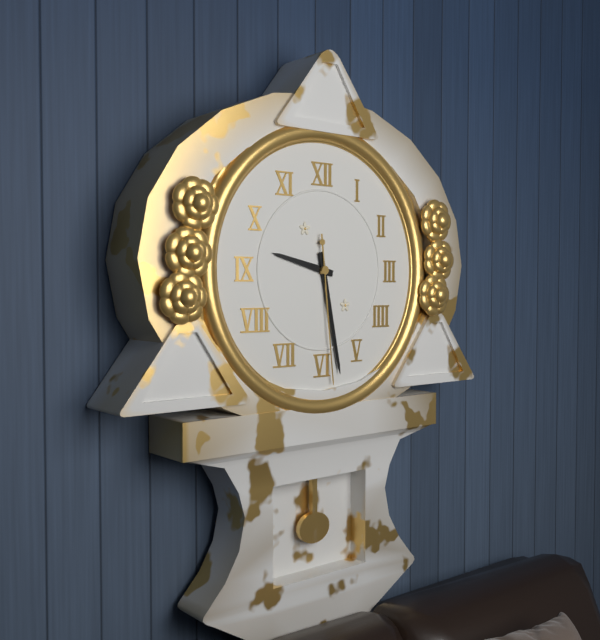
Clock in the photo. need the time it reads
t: 9:28:29
